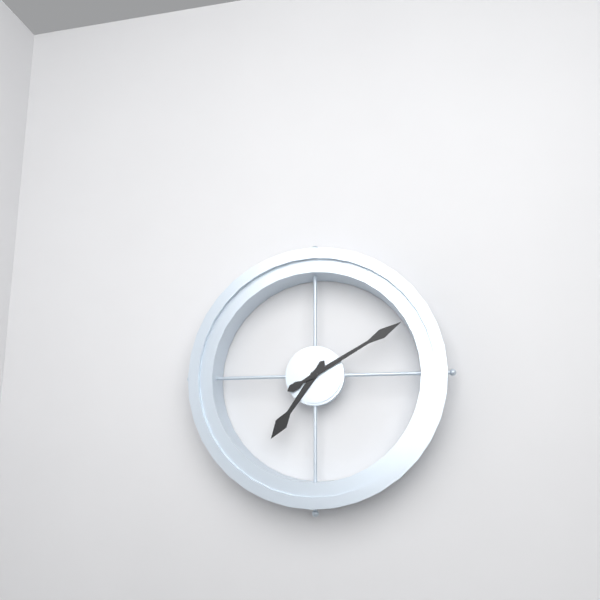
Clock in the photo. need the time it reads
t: 7:10
